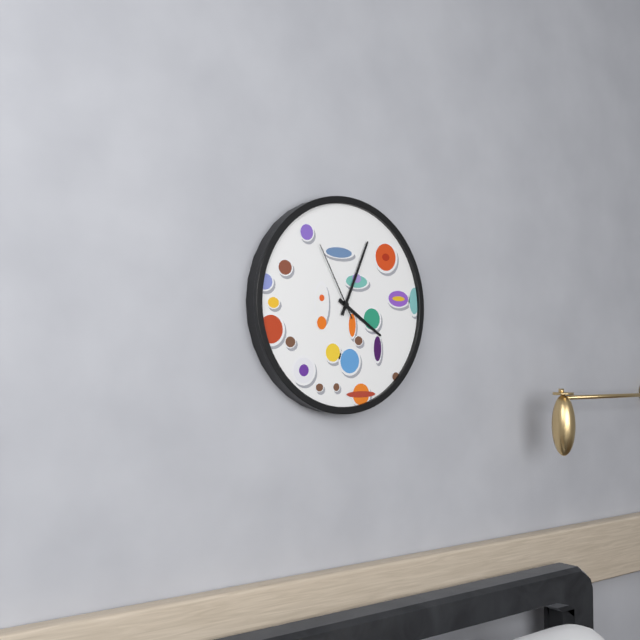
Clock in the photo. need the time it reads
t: 4:04:55
